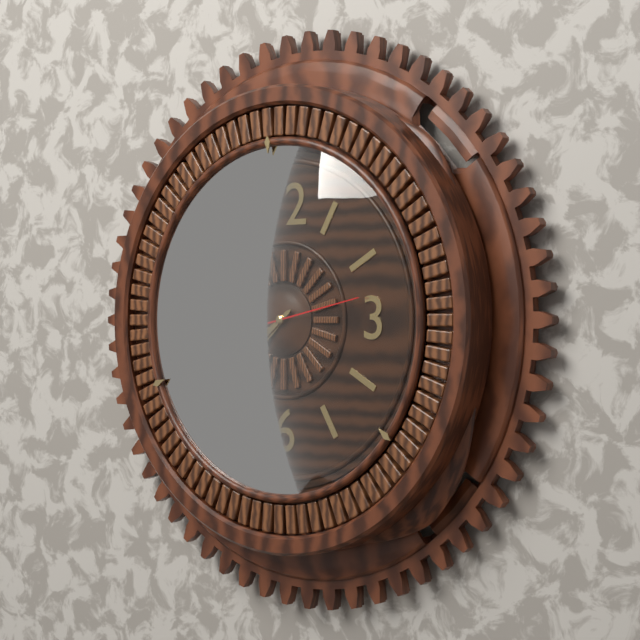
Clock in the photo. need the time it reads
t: 7:39:13
